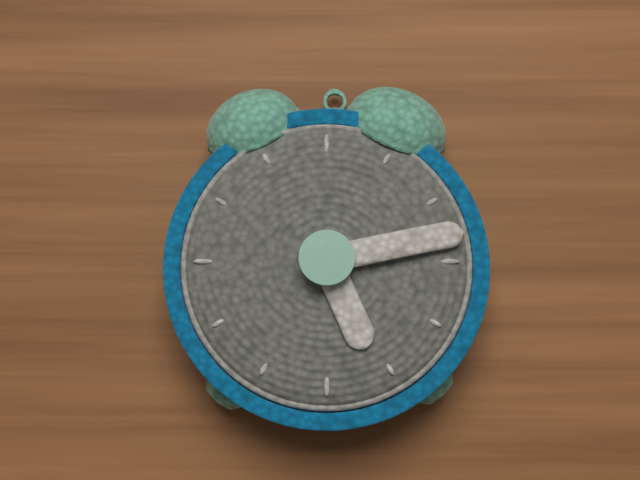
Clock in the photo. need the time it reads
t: 5:13
